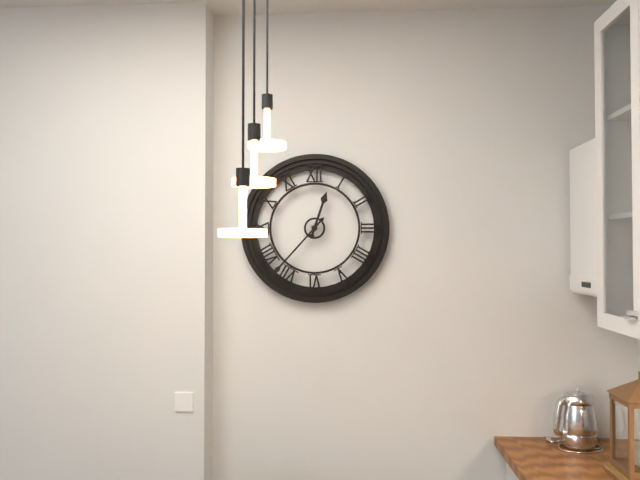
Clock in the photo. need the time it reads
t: 12:37
